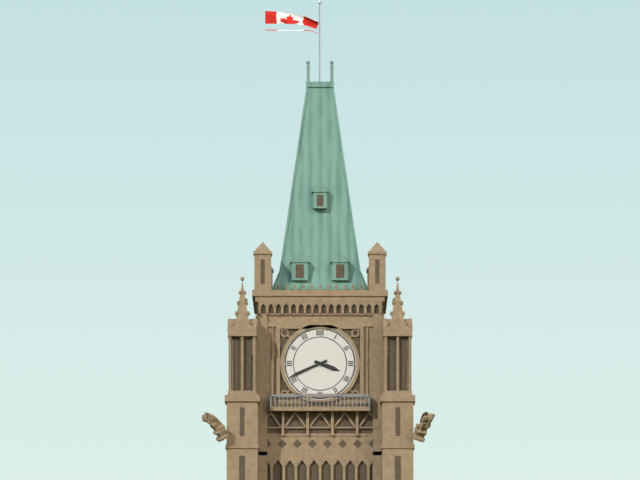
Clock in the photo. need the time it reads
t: 3:41
